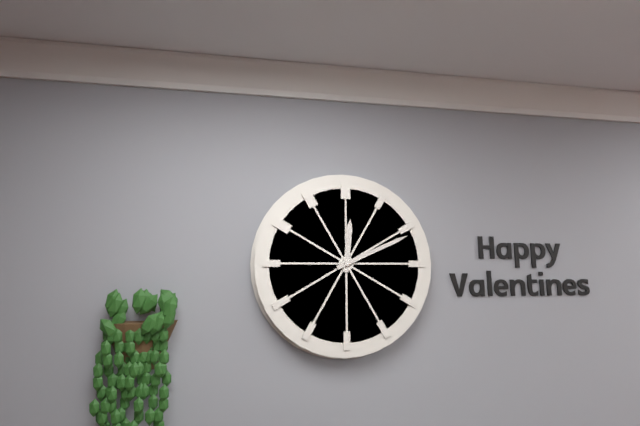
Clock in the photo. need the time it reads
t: 12:11
